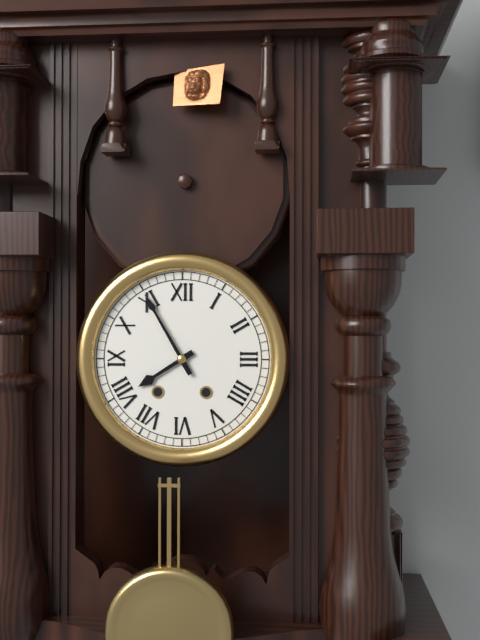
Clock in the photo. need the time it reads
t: 7:55
